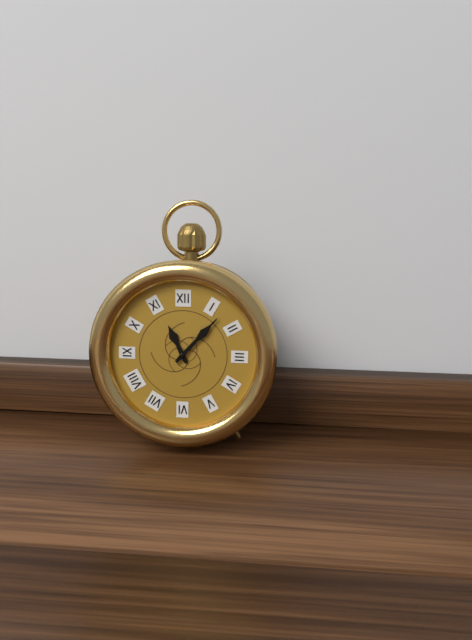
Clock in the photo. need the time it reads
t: 11:07
